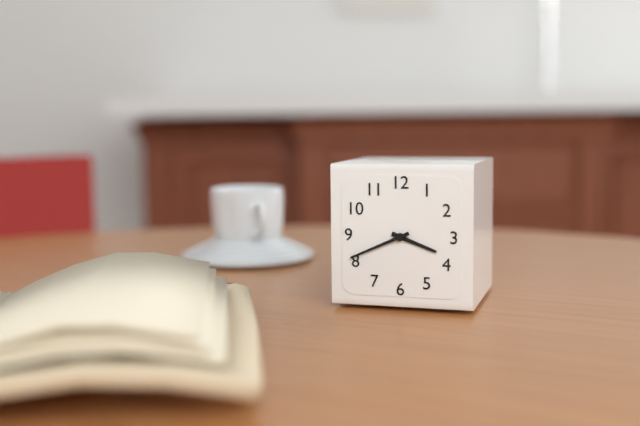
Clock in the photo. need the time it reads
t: 3:41
